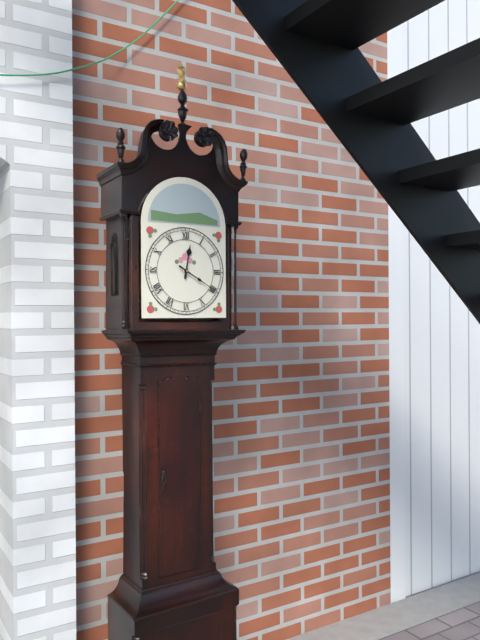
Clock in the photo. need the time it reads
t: 12:20
